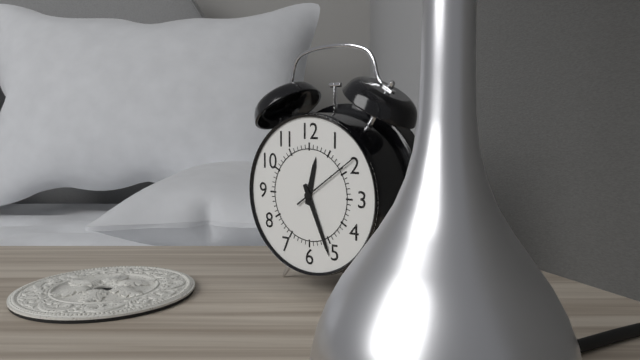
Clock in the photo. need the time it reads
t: 12:26:09
